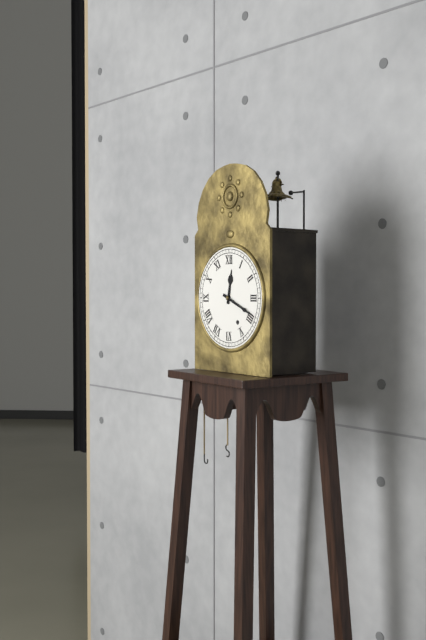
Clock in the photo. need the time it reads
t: 12:19
